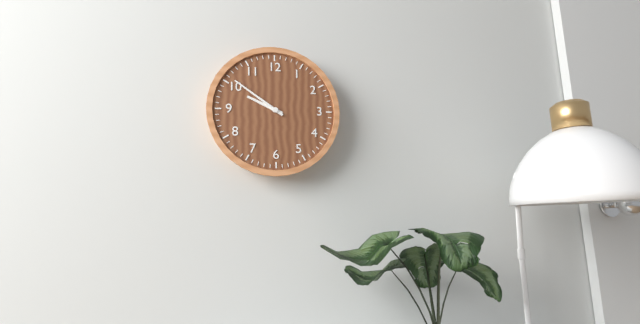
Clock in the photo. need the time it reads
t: 9:51
